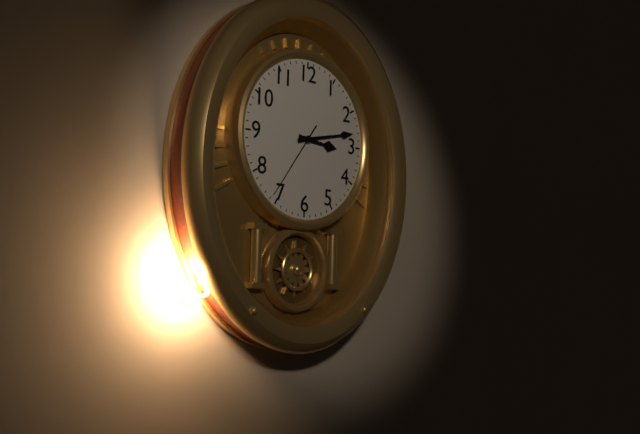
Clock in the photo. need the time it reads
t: 3:13:36
